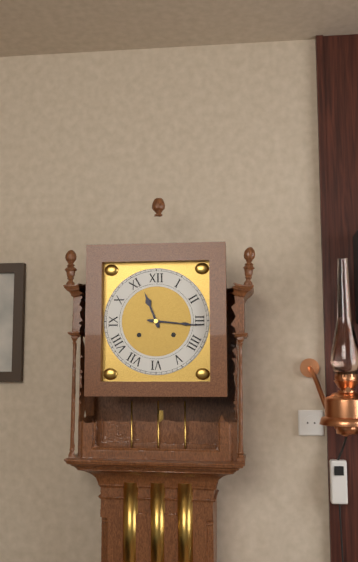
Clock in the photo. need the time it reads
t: 11:16
